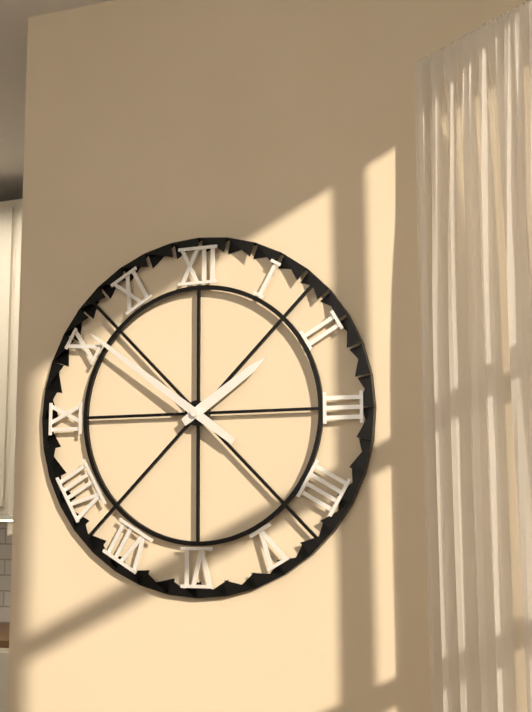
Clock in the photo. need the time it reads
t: 1:51
